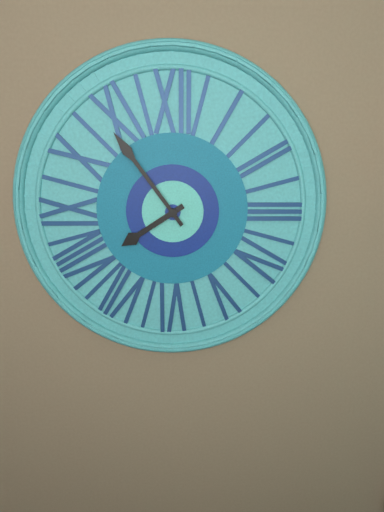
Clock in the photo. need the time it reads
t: 7:54
